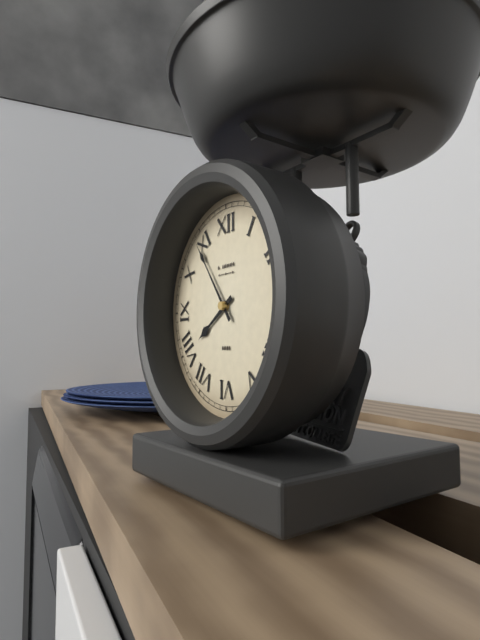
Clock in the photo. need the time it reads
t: 7:54
